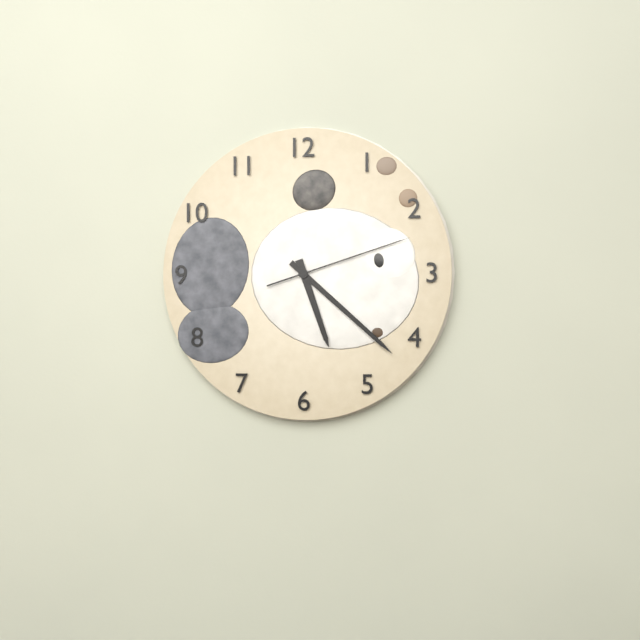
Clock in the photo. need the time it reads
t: 5:22:12
